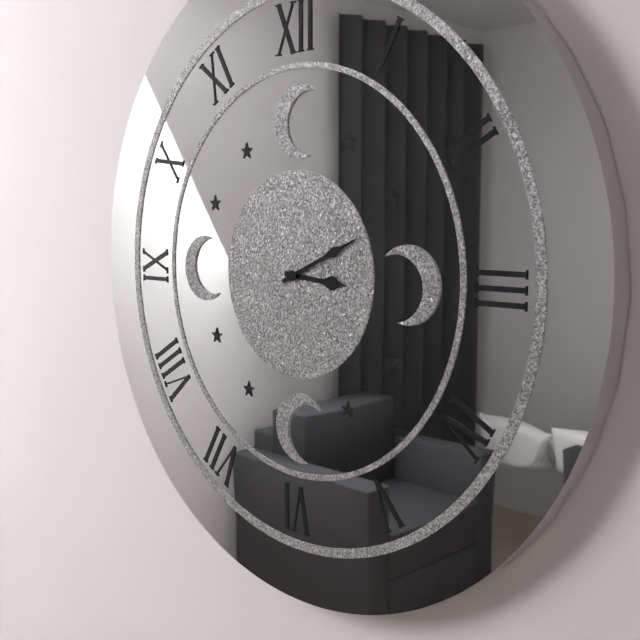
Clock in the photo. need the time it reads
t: 3:11
